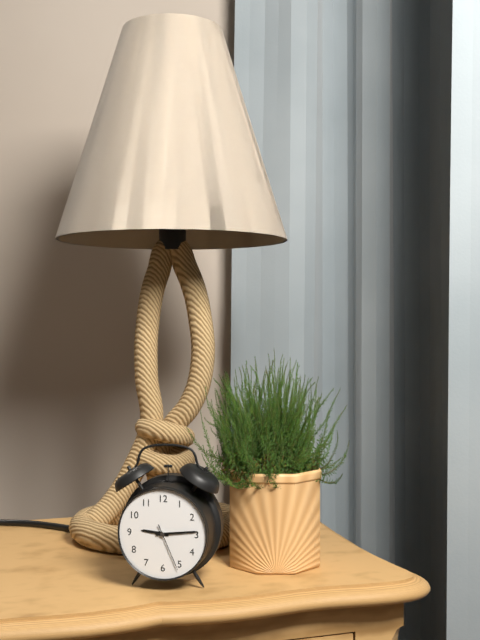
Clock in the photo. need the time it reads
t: 9:14
